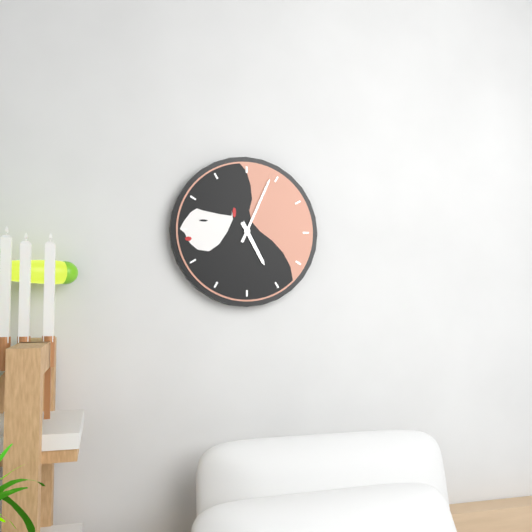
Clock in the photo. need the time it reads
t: 5:04
